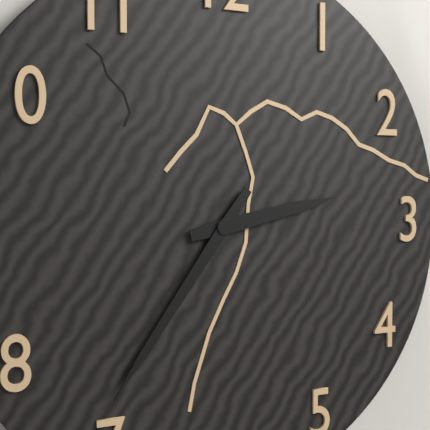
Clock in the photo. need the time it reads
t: 2:36
